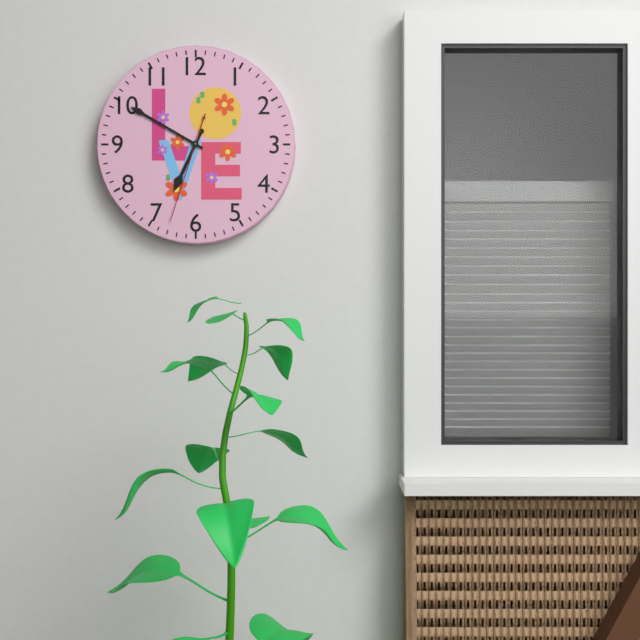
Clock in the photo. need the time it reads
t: 6:50:33
